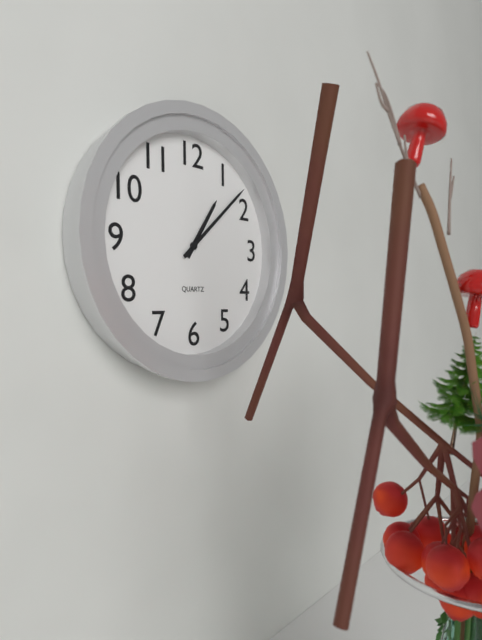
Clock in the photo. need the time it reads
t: 1:08
